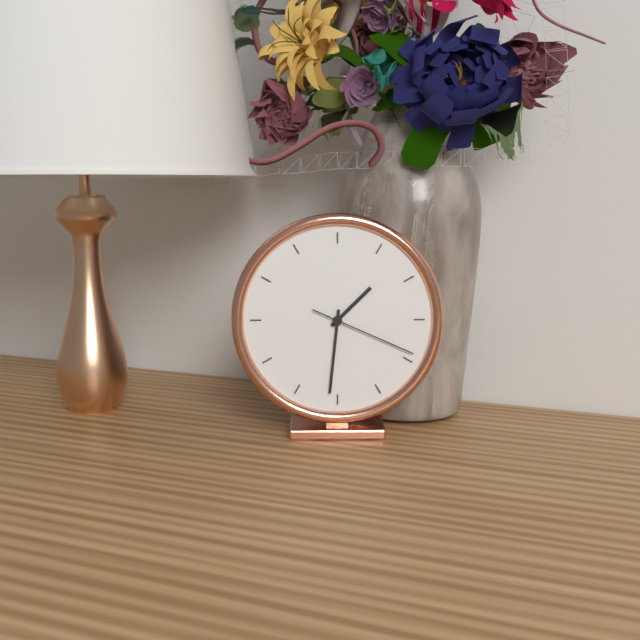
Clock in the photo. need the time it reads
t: 1:31:19
